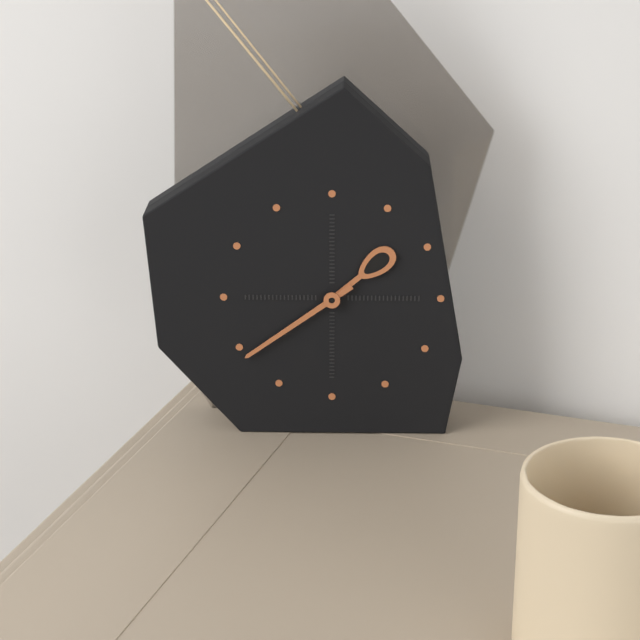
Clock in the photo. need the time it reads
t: 1:39
